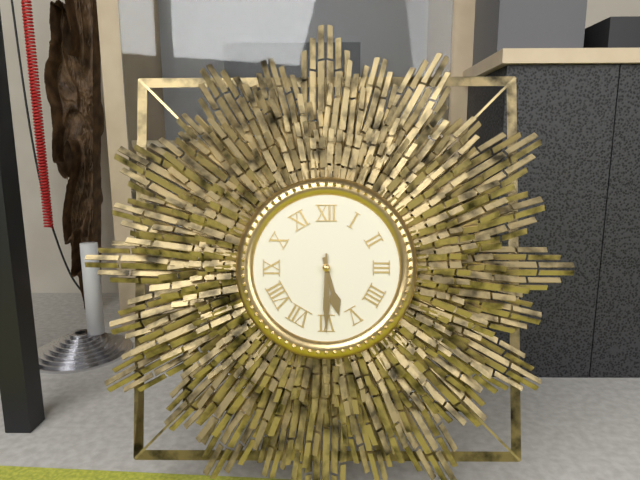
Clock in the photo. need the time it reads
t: 5:30
